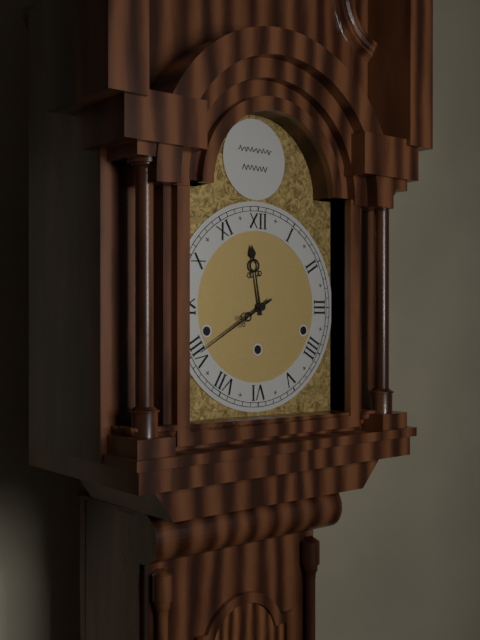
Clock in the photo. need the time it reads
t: 11:40
